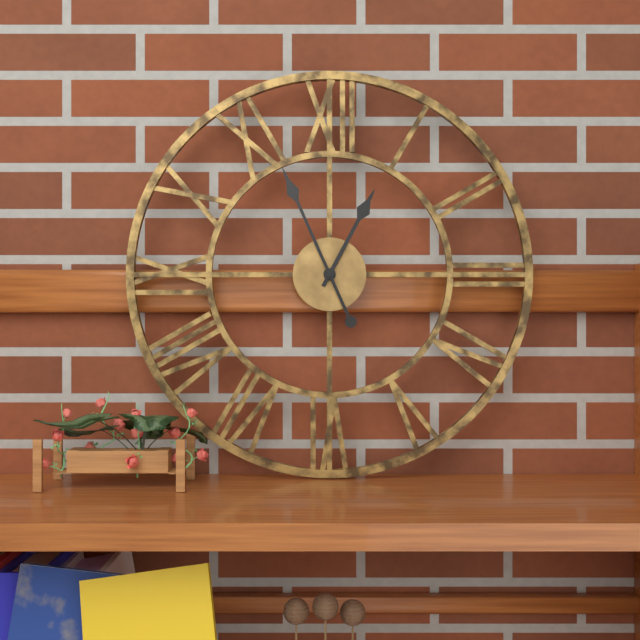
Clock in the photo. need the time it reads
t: 12:56
